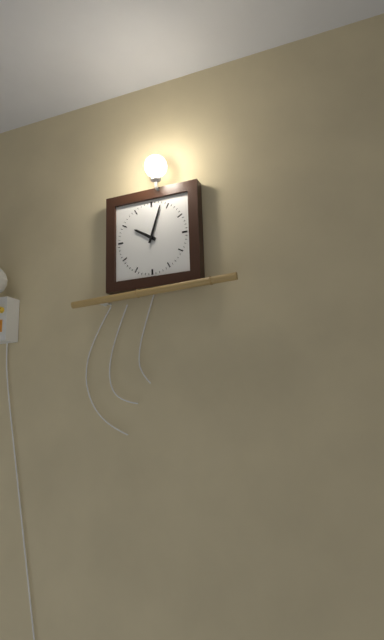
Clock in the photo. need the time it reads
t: 10:03
